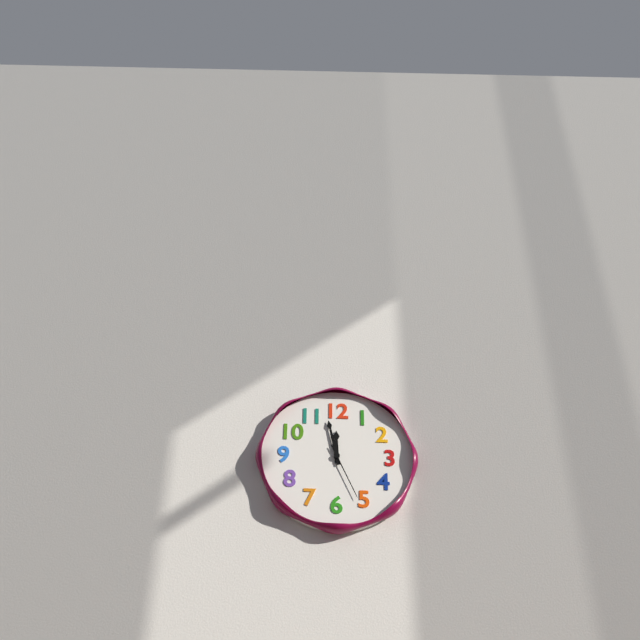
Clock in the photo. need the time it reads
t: 11:58:26
